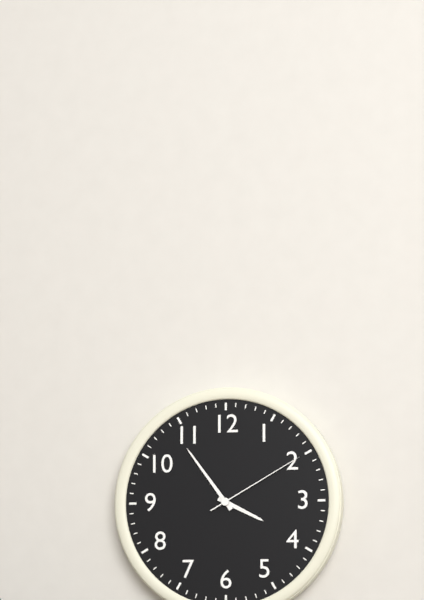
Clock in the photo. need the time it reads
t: 3:54:10
